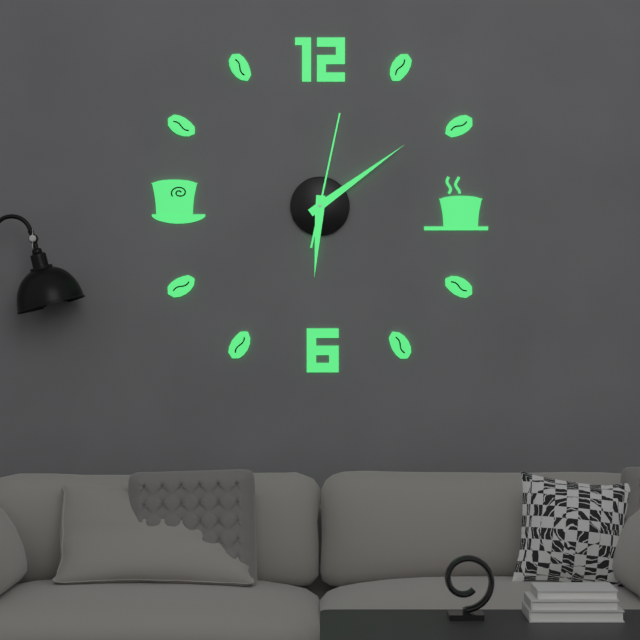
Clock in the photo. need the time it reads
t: 6:09:02
